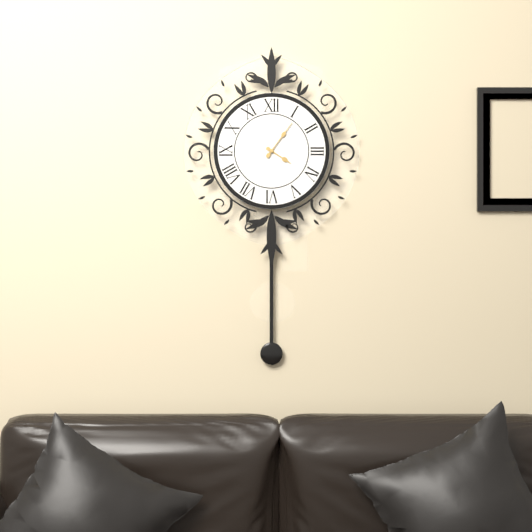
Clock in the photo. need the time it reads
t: 4:06
